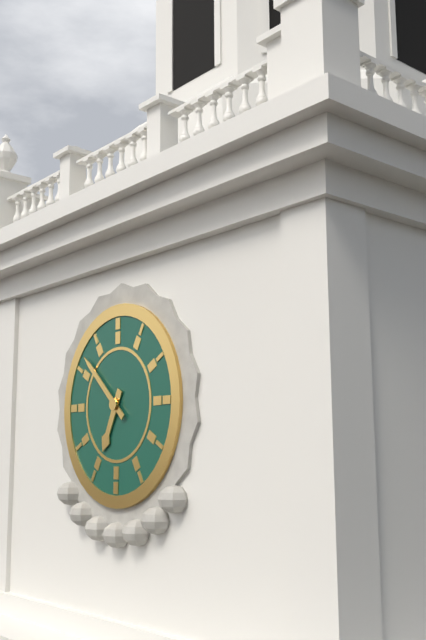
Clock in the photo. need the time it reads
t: 6:52
